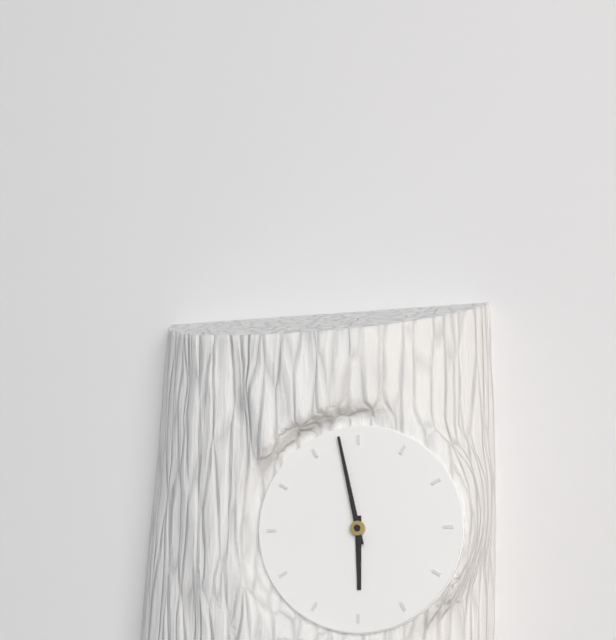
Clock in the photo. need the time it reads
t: 5:58
